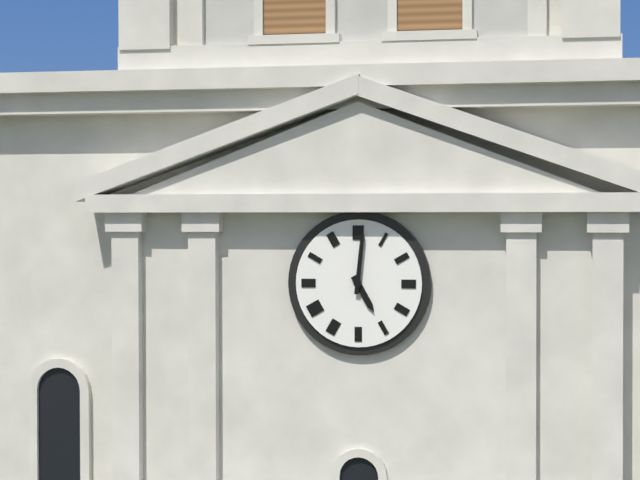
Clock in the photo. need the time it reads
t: 5:01
